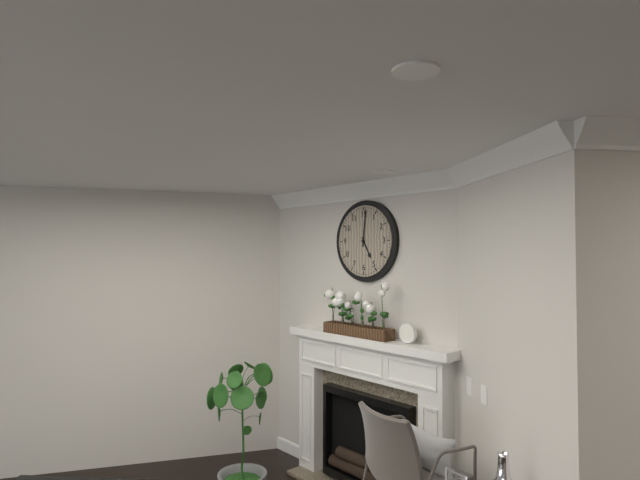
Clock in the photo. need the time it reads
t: 5:01
